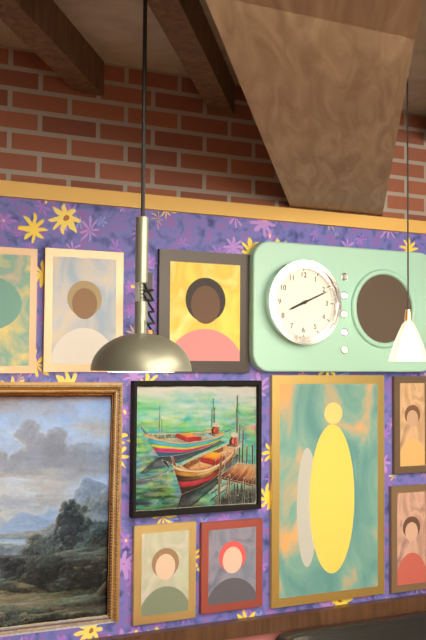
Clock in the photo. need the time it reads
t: 8:11
